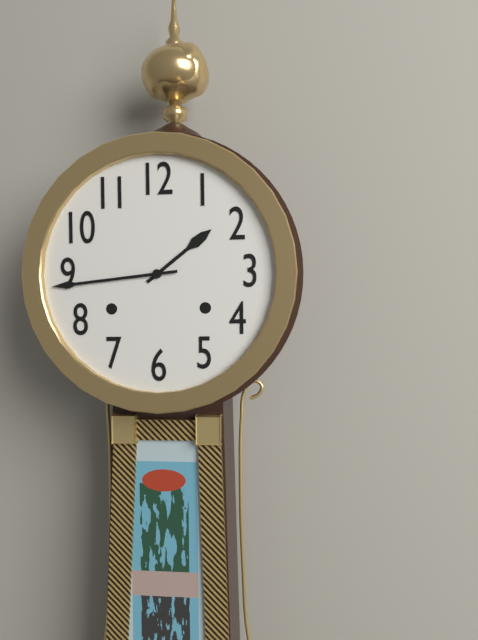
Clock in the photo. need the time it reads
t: 1:44
